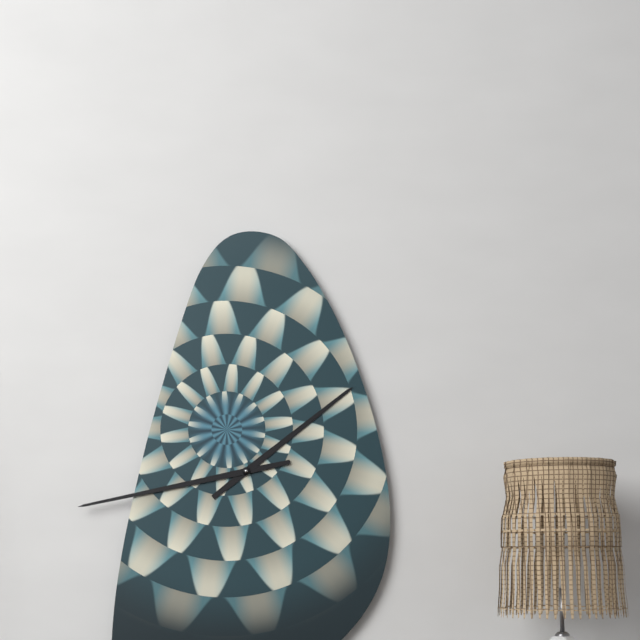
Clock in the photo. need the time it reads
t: 1:43
